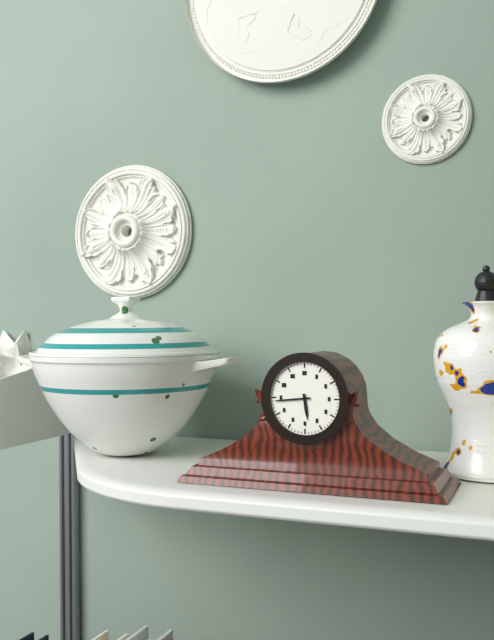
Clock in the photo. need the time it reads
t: 5:44
